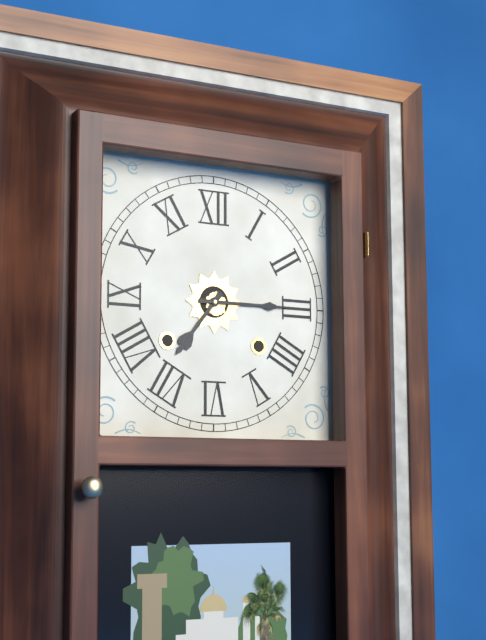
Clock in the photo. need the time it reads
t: 7:15
